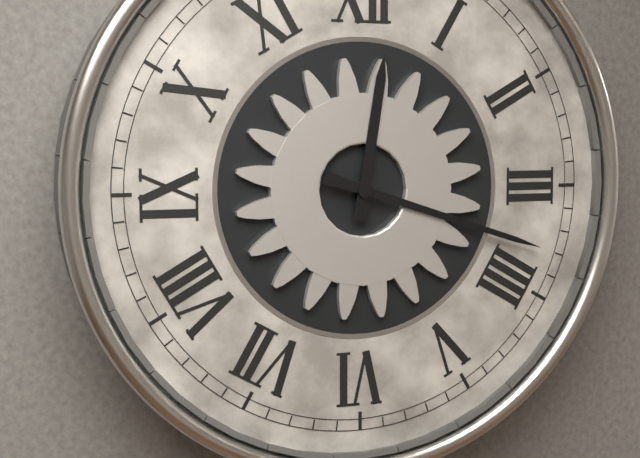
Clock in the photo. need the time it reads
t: 12:18
